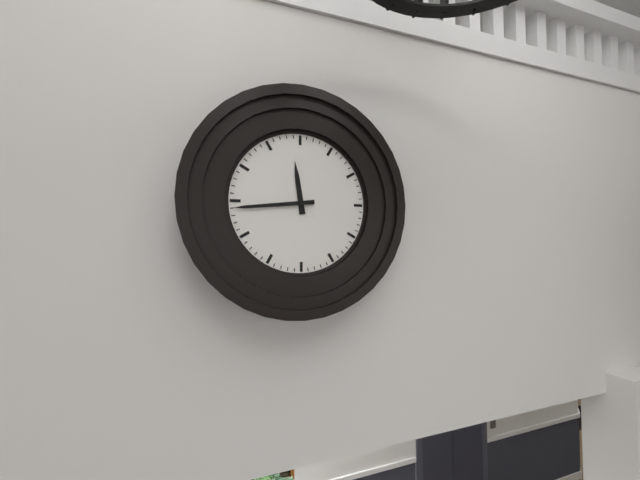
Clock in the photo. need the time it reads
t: 11:44
